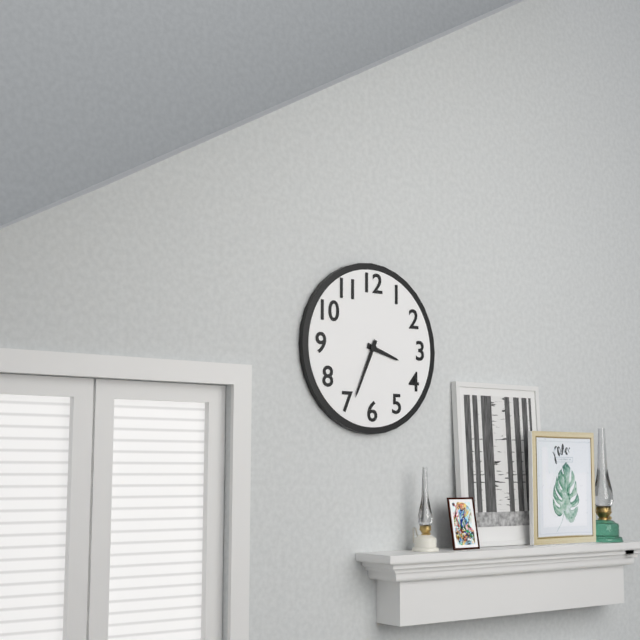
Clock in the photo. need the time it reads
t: 3:34
